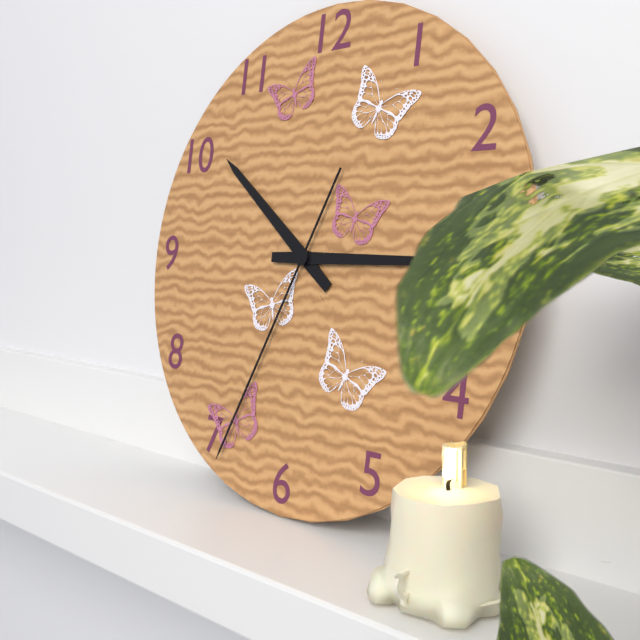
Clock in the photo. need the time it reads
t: 10:15:34
